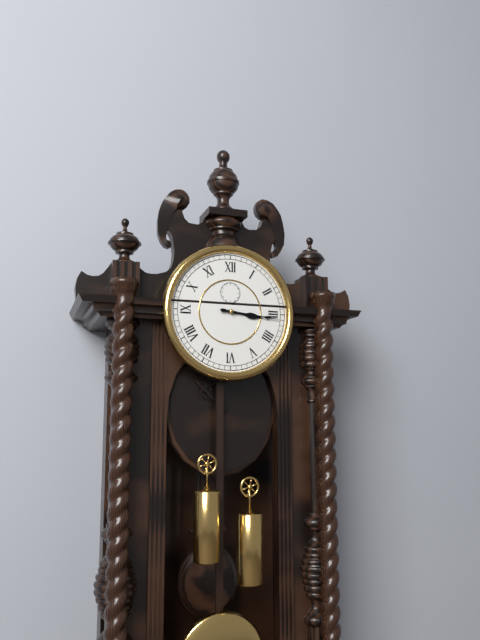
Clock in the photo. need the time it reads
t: 3:16
